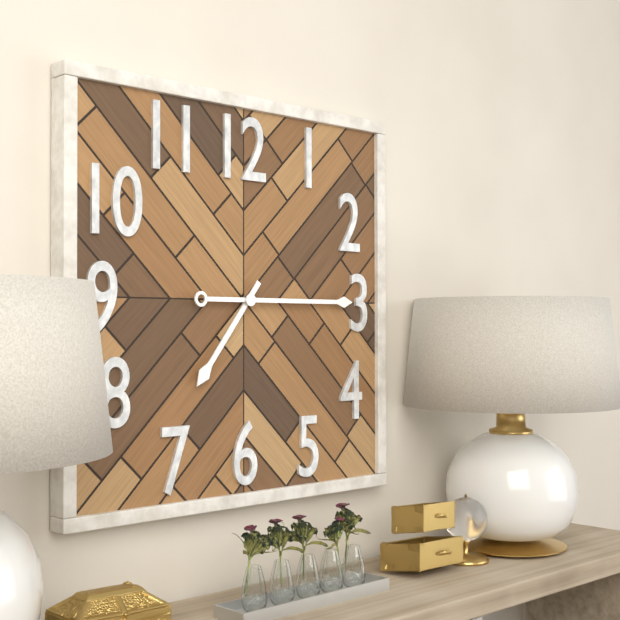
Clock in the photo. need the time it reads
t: 7:15
